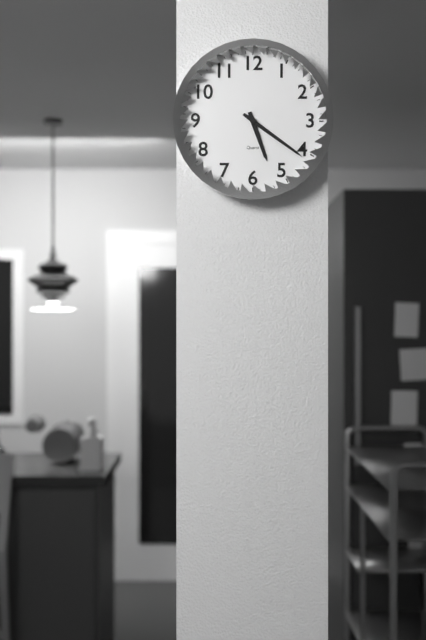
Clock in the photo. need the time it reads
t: 5:21
